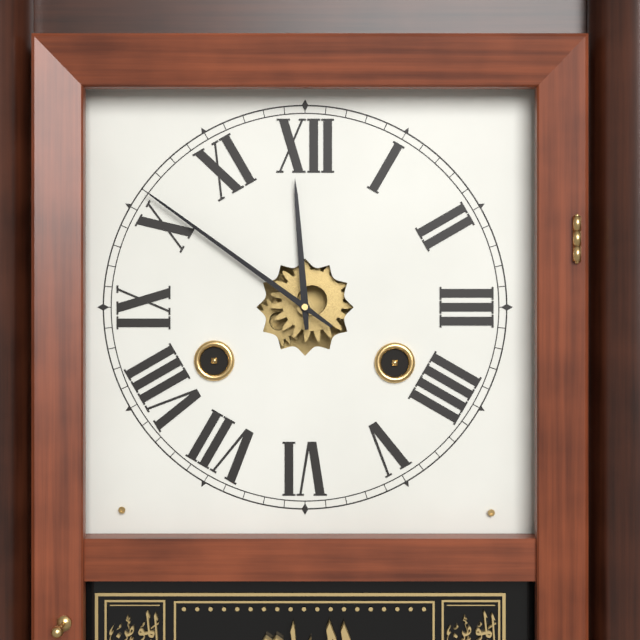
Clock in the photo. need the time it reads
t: 11:51
